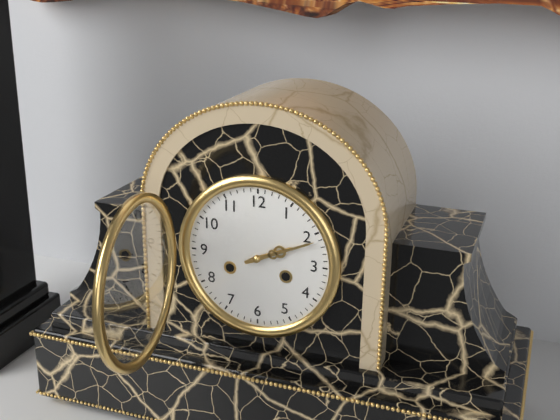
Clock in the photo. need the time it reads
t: 2:11
